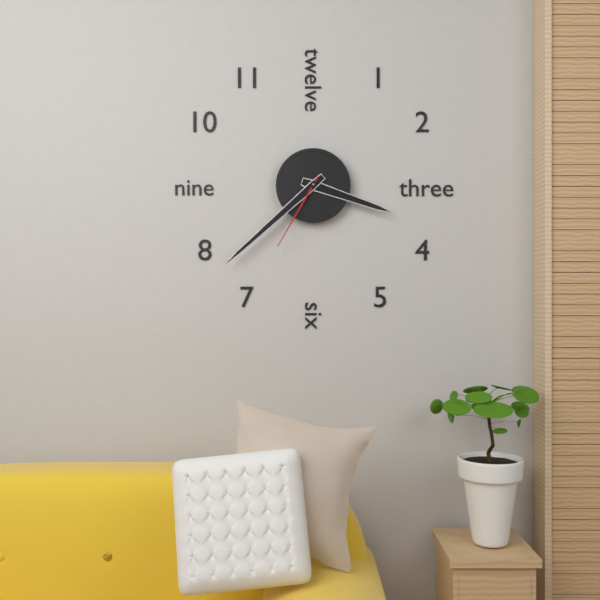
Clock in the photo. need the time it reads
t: 3:38:35
